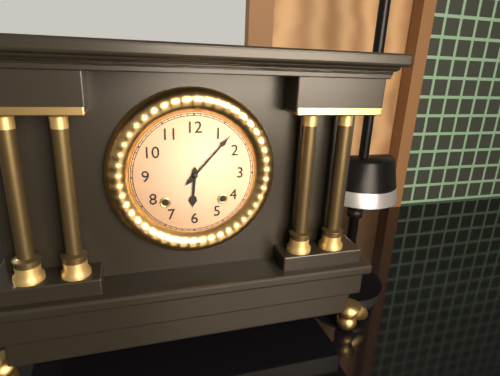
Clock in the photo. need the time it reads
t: 6:07
